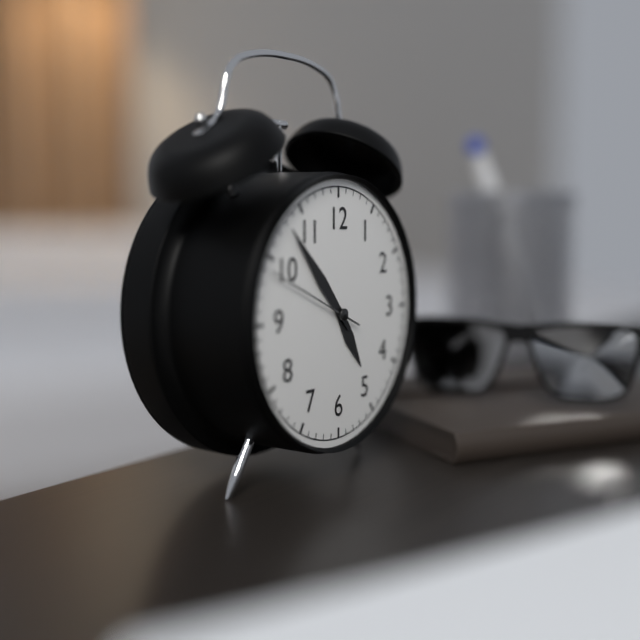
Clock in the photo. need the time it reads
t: 4:53:49
